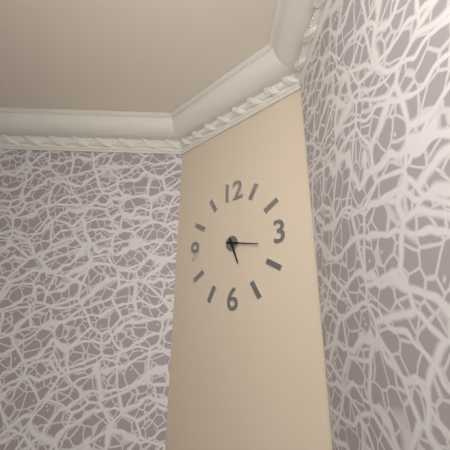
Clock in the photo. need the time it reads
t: 5:17
